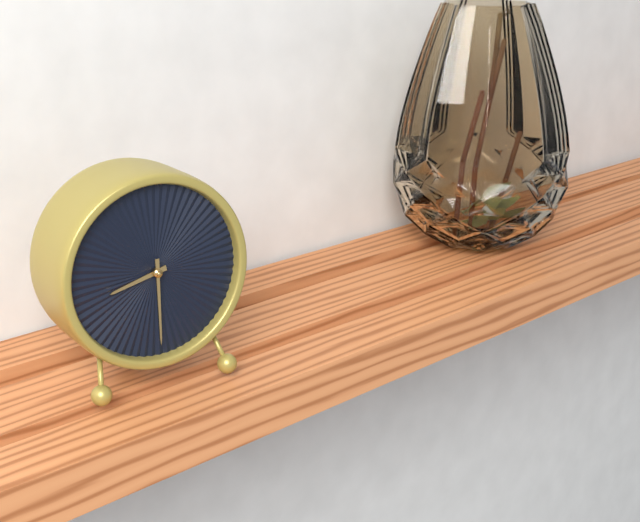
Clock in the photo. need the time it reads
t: 8:30
